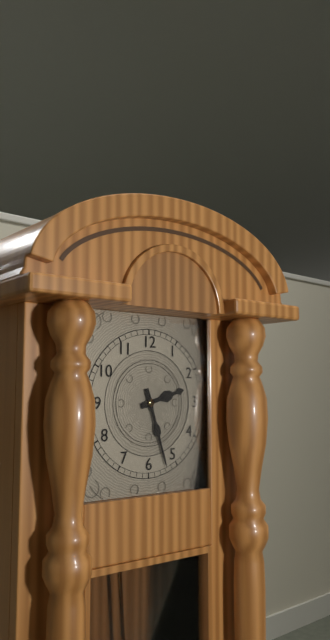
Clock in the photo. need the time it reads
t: 2:27
